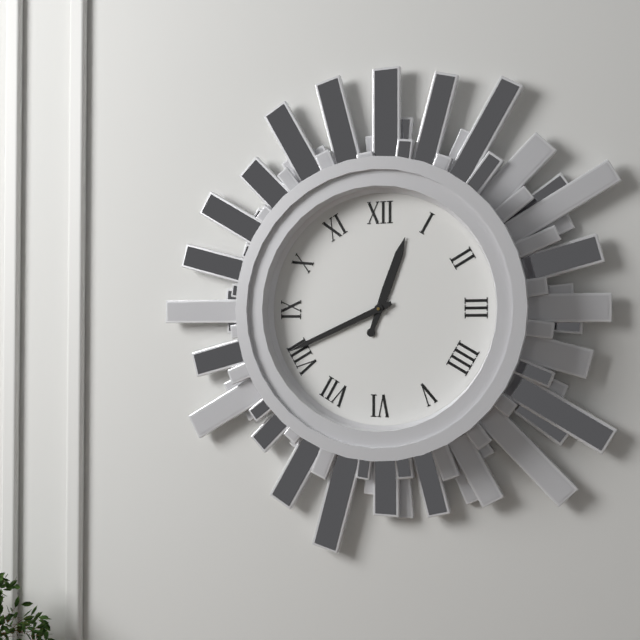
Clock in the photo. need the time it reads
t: 12:41
